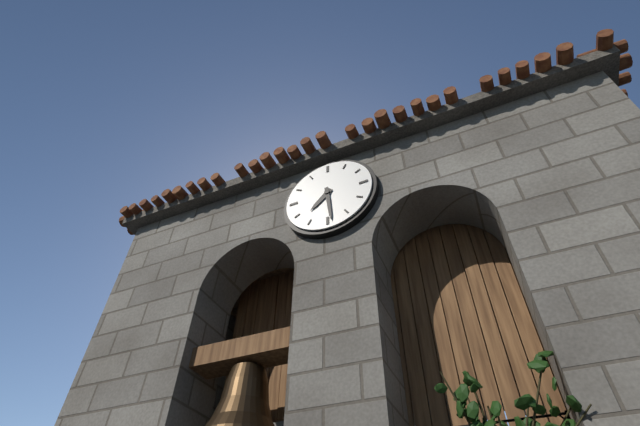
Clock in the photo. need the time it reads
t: 7:29
